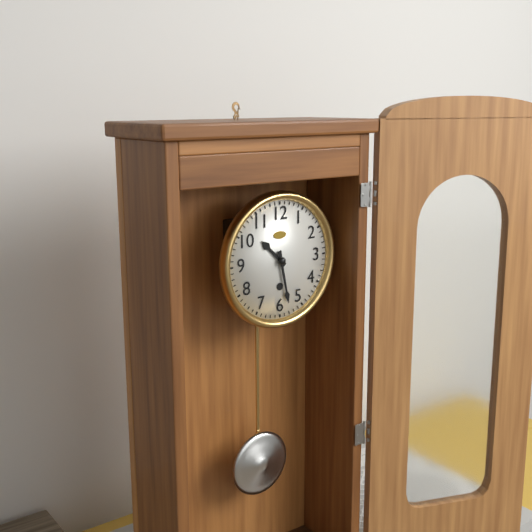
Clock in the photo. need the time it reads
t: 10:28
